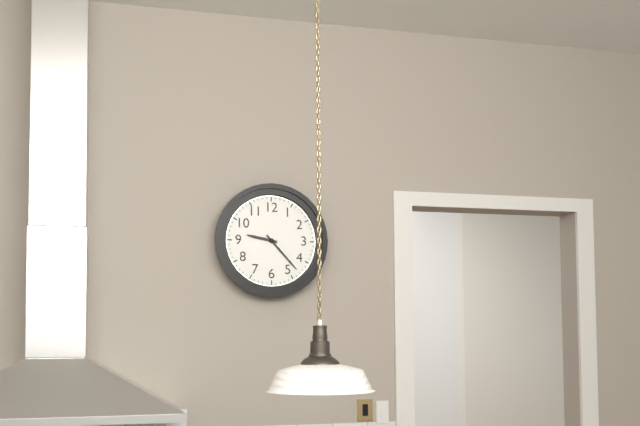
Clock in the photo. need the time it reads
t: 9:23
